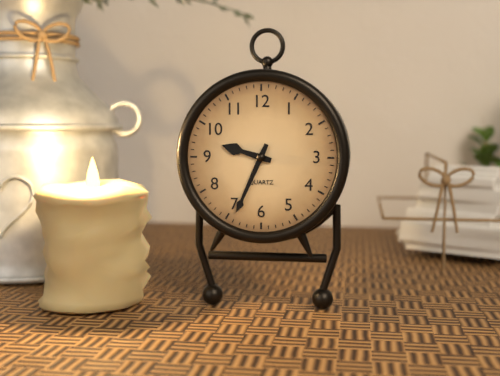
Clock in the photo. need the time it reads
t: 9:34
